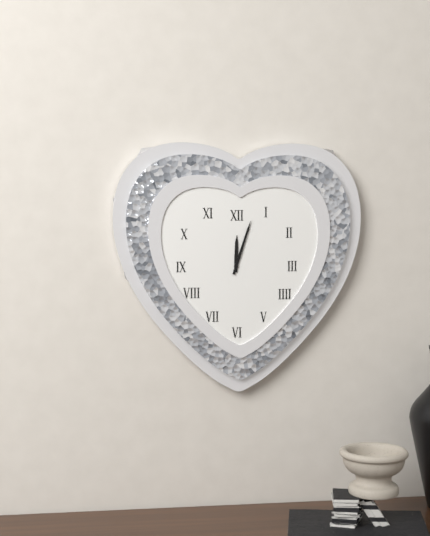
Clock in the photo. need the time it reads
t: 12:03
